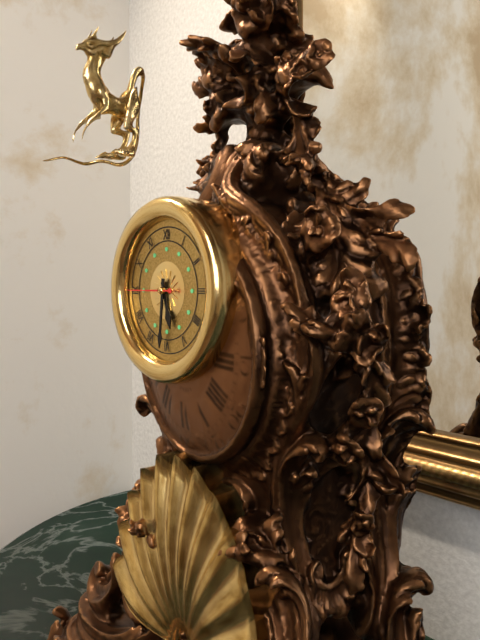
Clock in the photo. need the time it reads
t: 5:31:45
